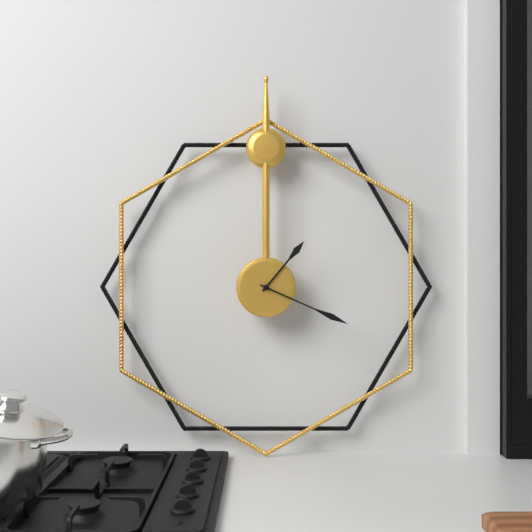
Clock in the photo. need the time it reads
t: 1:19
